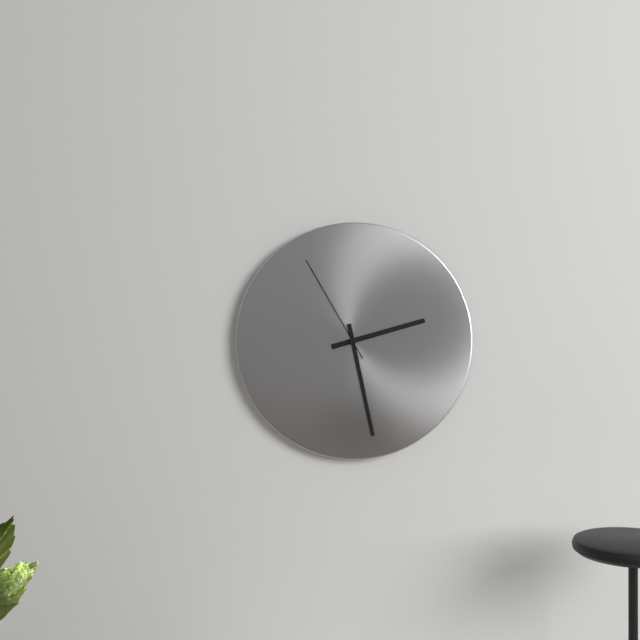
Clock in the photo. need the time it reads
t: 2:28:55
